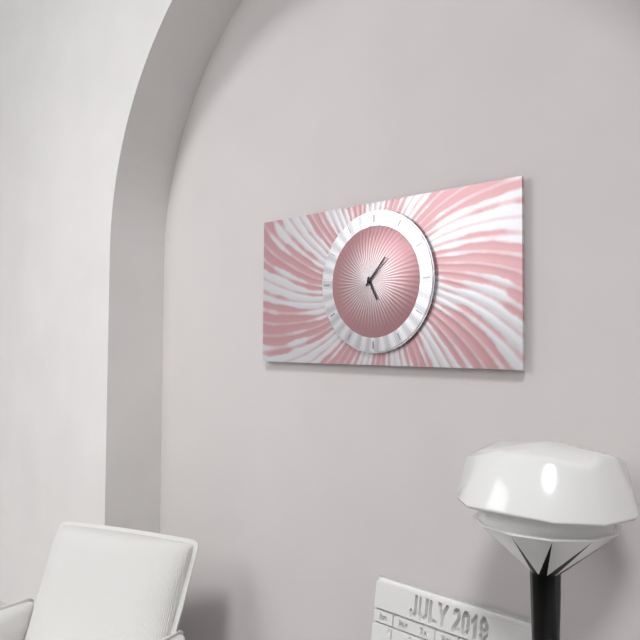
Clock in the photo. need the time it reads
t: 5:07
